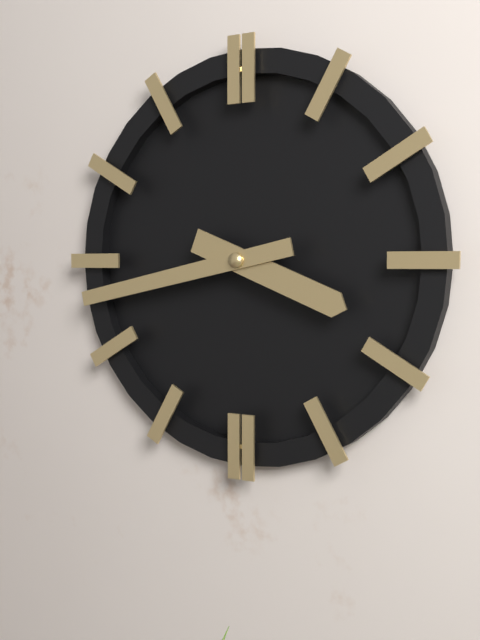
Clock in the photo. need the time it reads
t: 3:43
